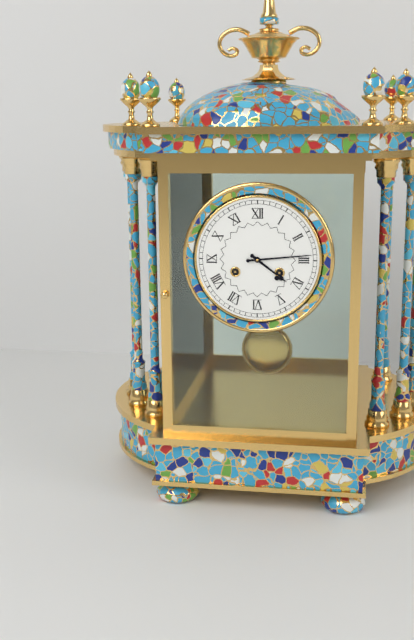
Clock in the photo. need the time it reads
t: 4:14
